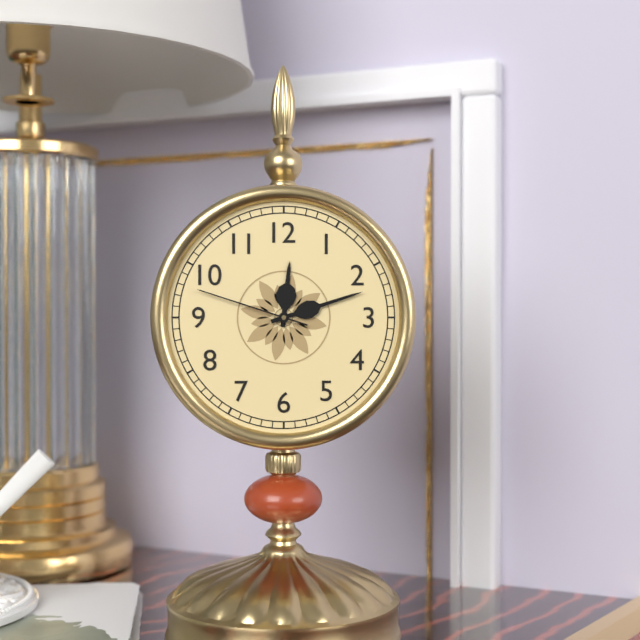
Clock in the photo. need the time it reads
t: 12:12:48
